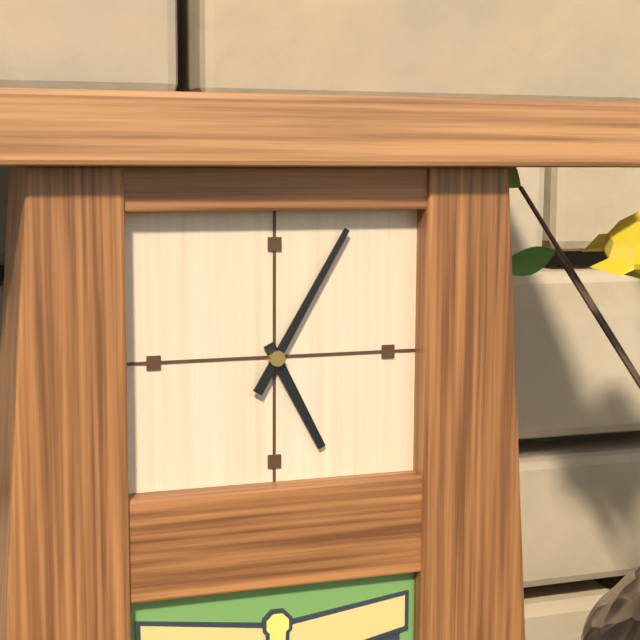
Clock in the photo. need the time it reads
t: 5:05
